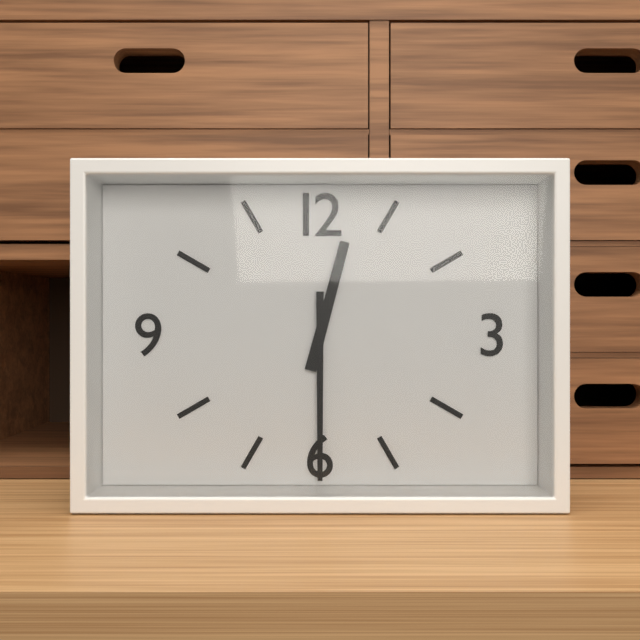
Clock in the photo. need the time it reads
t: 12:30
